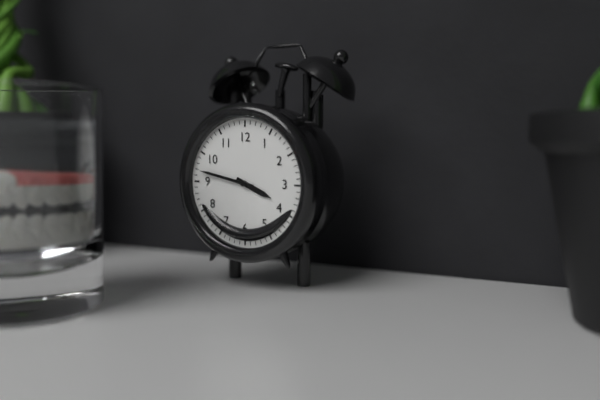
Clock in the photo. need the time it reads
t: 3:47
